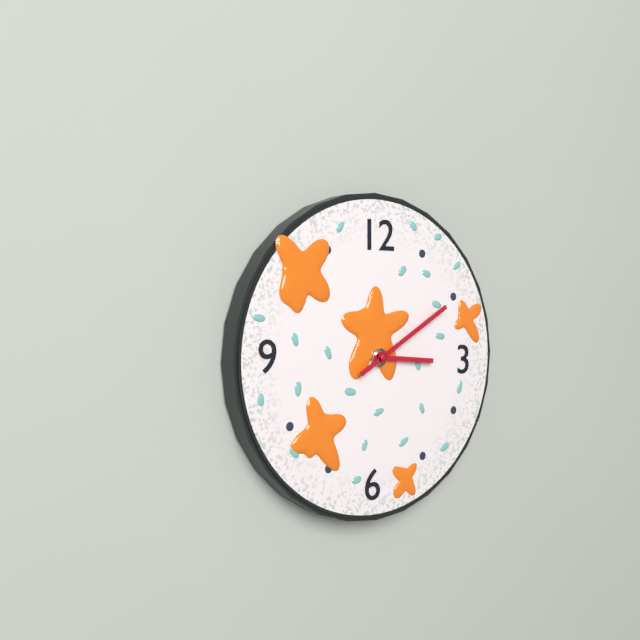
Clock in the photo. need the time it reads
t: 3:10
